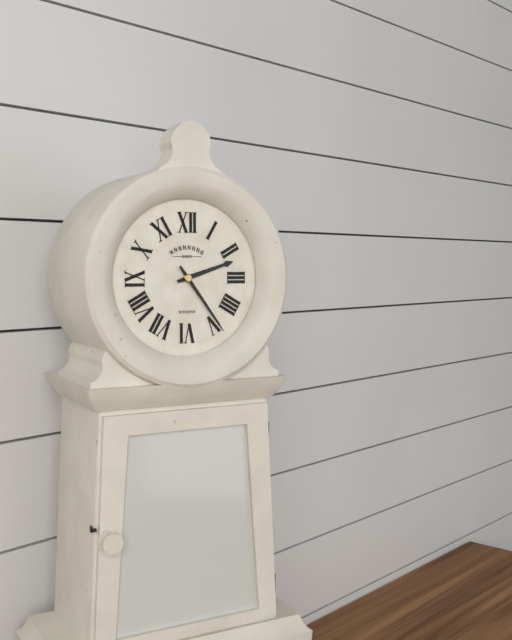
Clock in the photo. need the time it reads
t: 2:24
